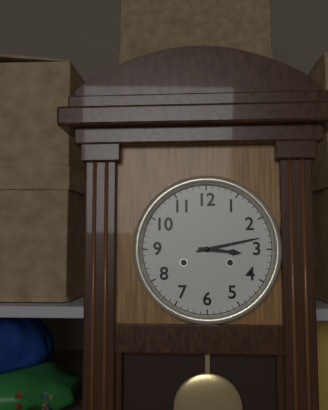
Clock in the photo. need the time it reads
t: 3:13
